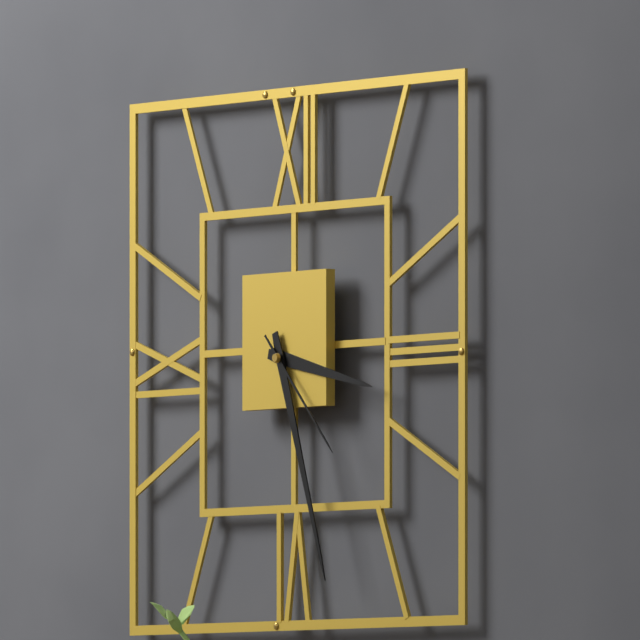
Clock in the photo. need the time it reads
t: 3:27:23
